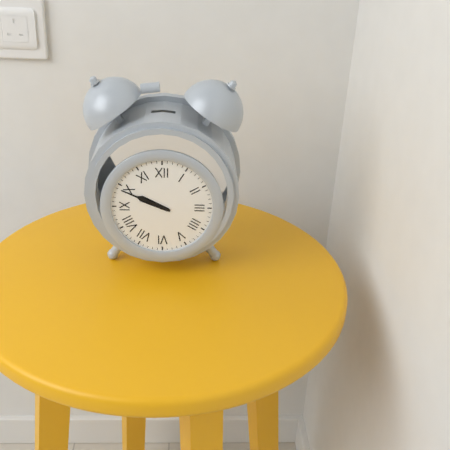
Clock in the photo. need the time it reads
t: 9:49
